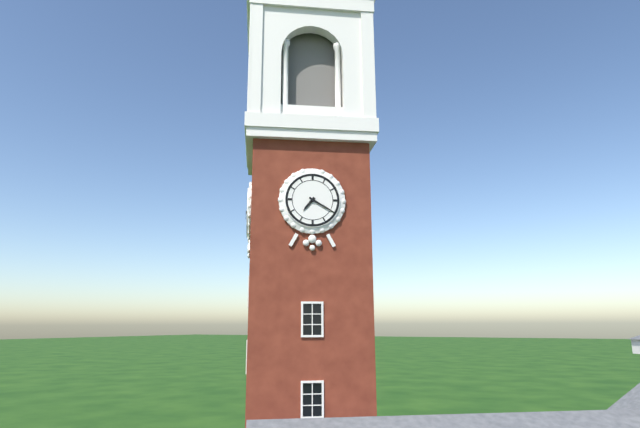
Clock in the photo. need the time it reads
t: 7:20
